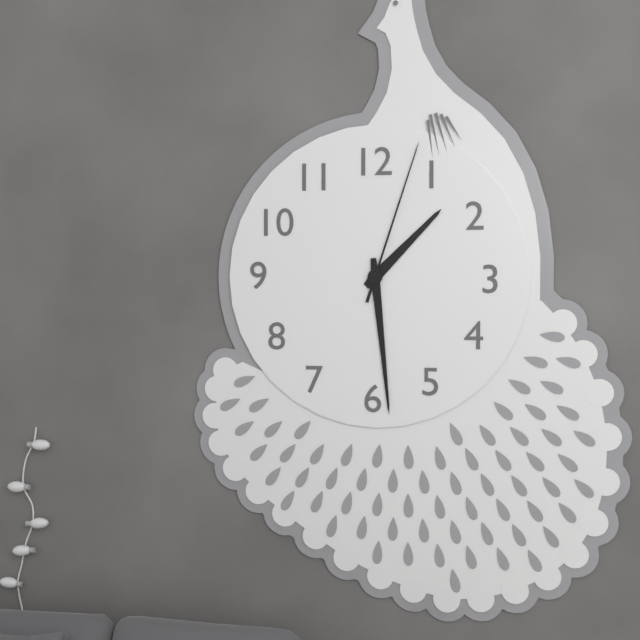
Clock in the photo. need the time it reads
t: 1:29:03
